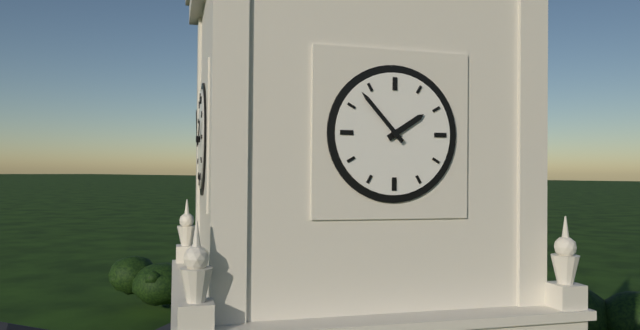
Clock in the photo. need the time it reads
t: 1:53
